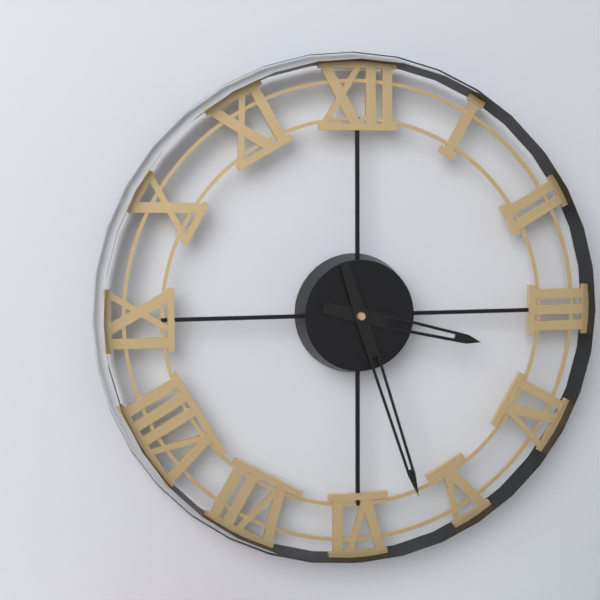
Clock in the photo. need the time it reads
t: 3:27
